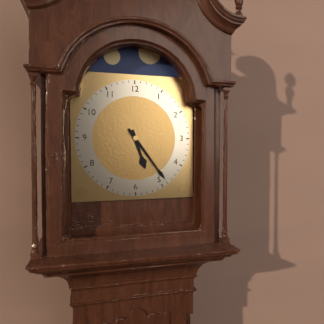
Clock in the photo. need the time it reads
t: 5:24
